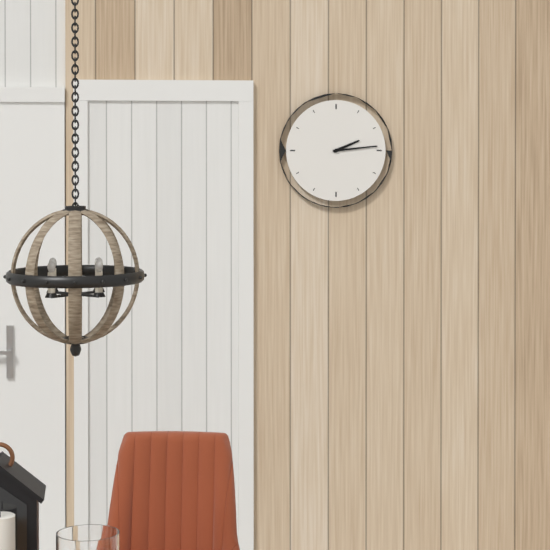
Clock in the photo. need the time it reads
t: 2:14
